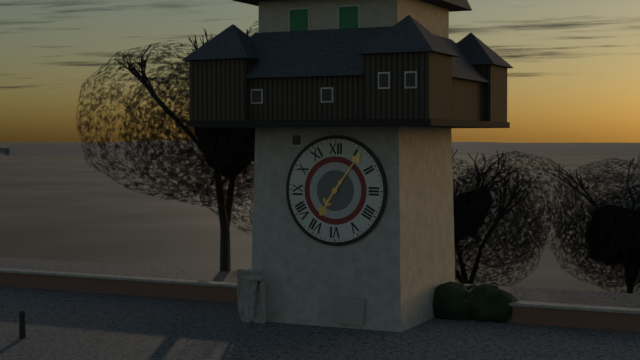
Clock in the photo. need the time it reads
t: 7:06
